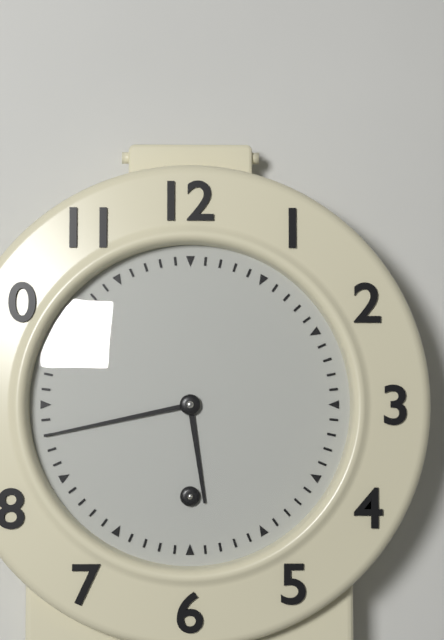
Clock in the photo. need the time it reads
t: 5:43
